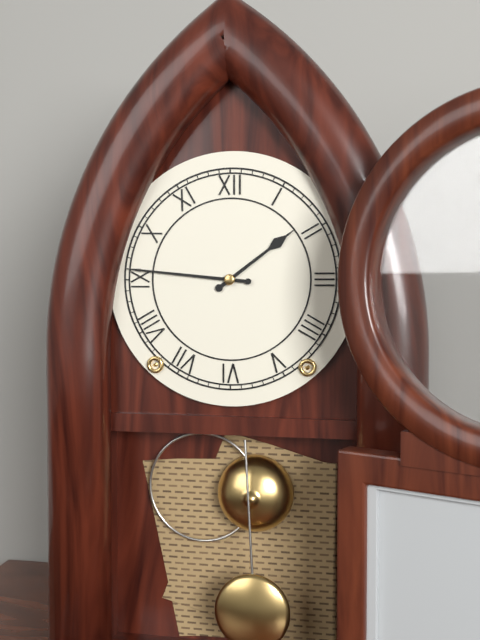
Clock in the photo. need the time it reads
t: 1:46
